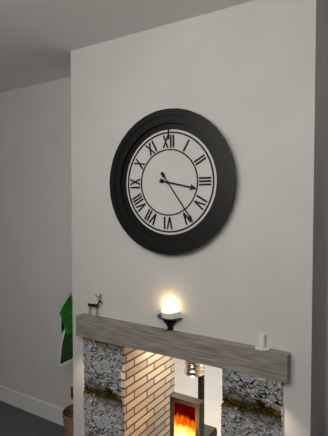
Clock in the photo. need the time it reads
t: 3:24
